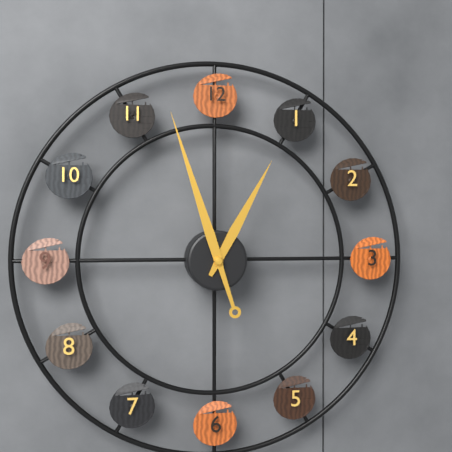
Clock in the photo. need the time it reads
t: 12:57
